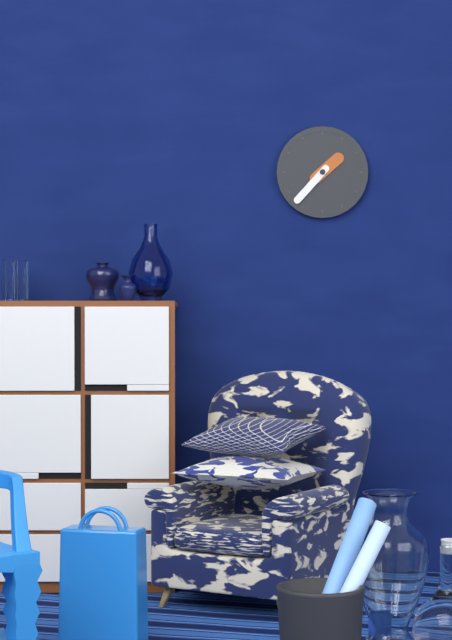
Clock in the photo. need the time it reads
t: 1:37
